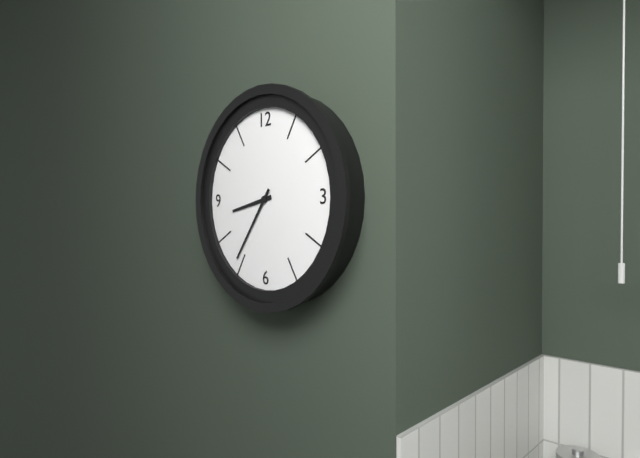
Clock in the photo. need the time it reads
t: 8:36
